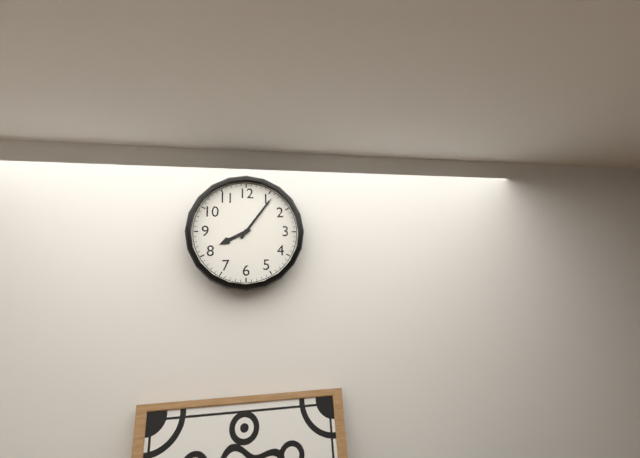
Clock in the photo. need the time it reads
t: 8:06
